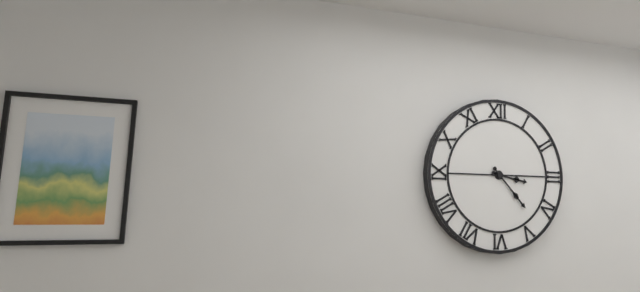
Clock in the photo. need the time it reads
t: 3:23
